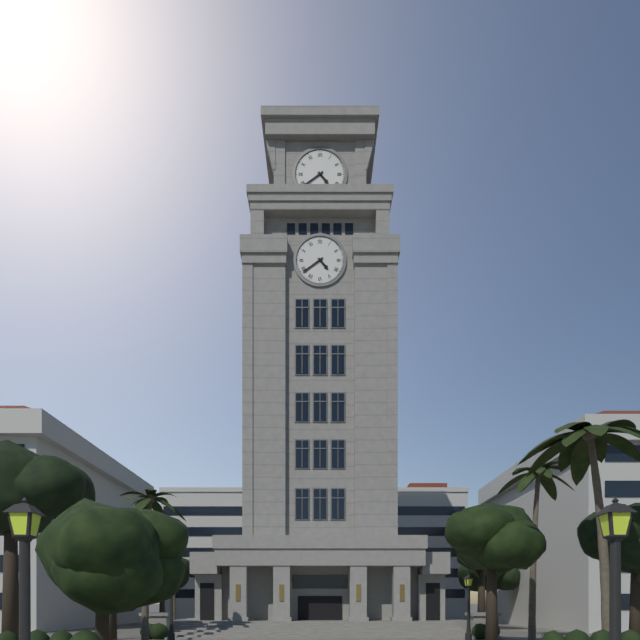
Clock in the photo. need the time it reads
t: 4:39
